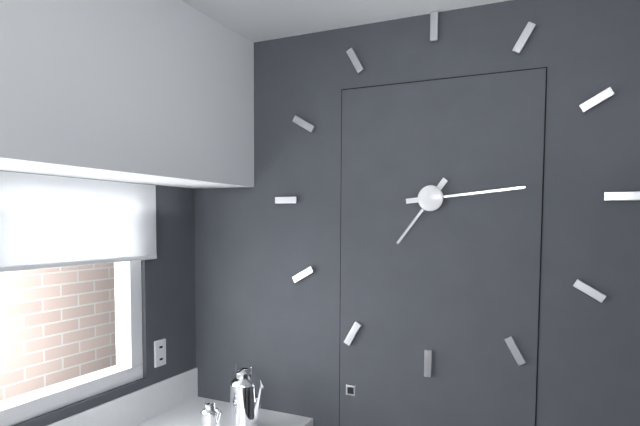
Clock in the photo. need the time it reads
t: 7:14
